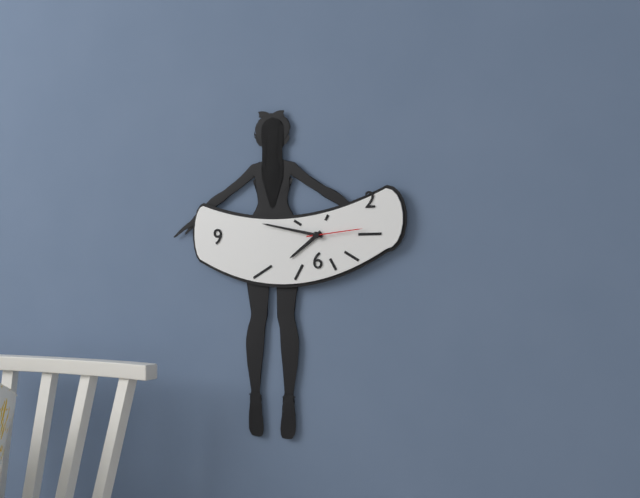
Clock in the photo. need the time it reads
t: 7:47:14
